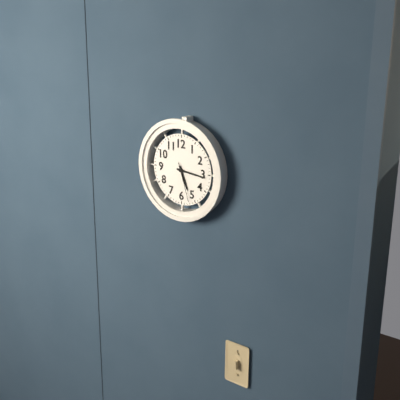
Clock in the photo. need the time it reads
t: 5:16
